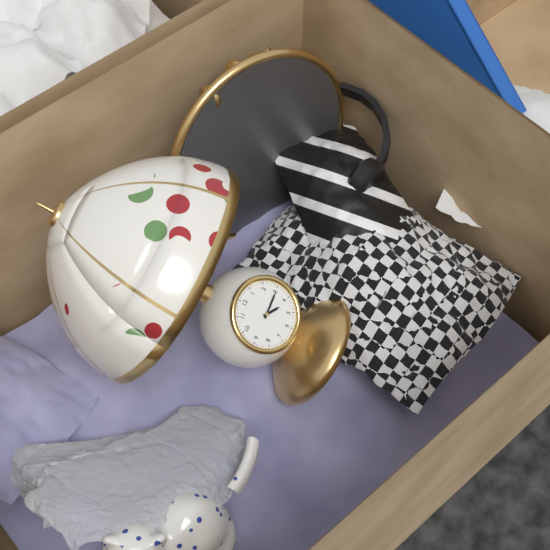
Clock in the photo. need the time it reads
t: 4:15
